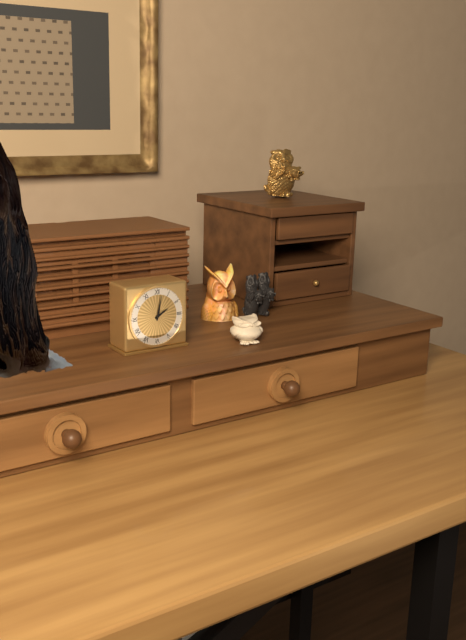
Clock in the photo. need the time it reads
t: 2:02
